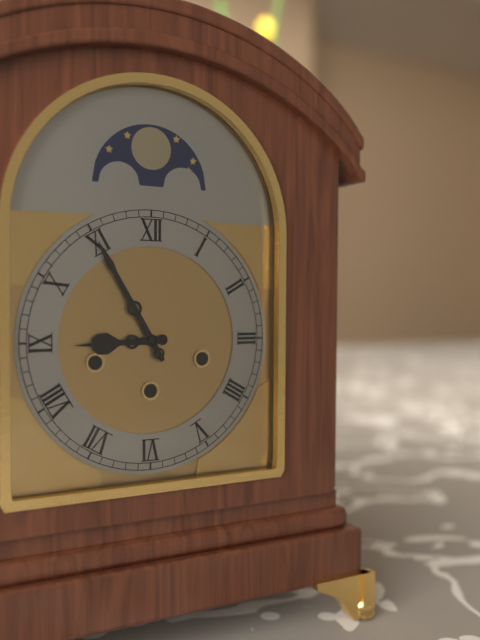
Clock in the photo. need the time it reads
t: 8:55
